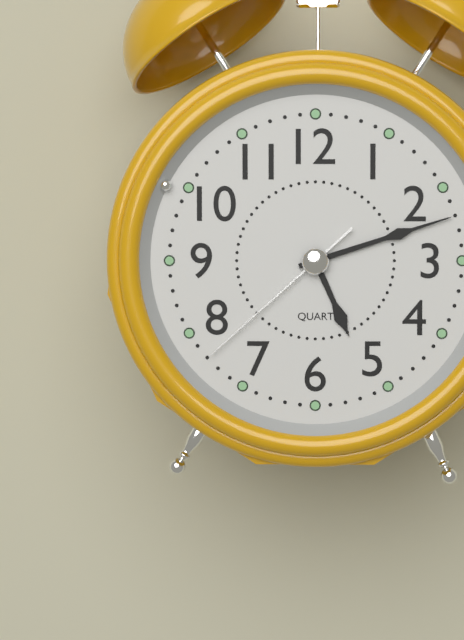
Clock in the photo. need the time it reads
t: 5:12:38
